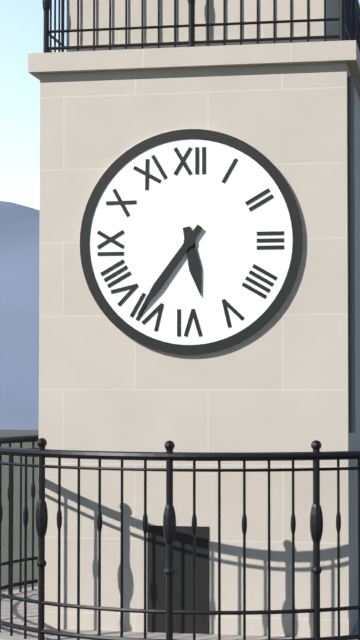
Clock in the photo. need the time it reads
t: 5:36
